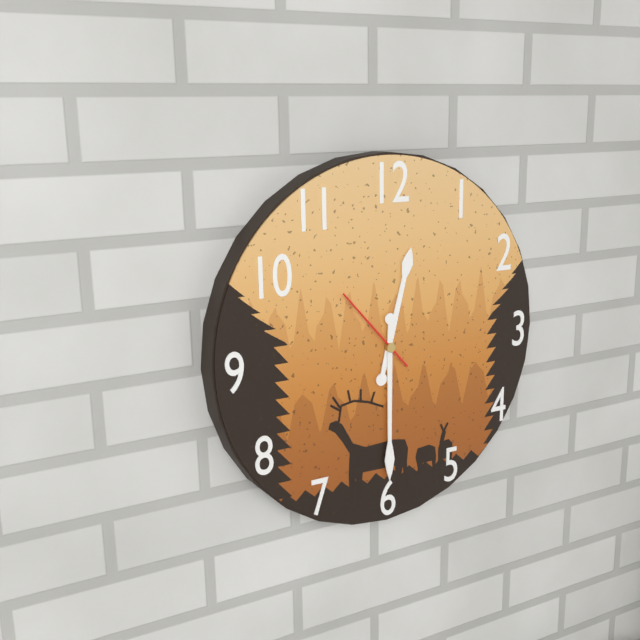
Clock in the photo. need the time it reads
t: 12:30:53
